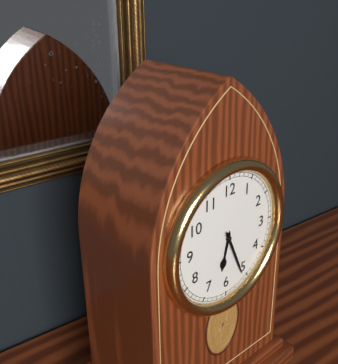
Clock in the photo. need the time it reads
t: 6:26
